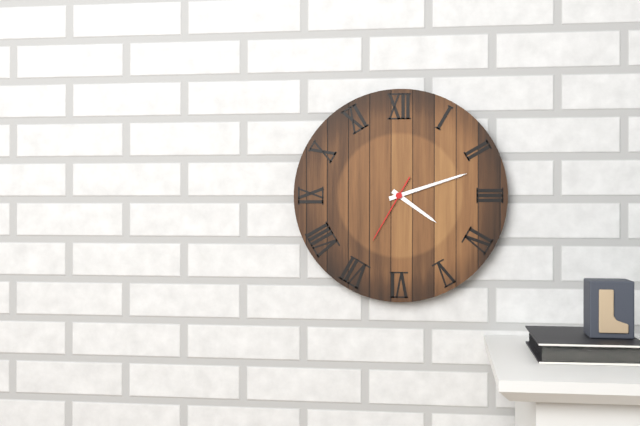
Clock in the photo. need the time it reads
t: 4:12:35
